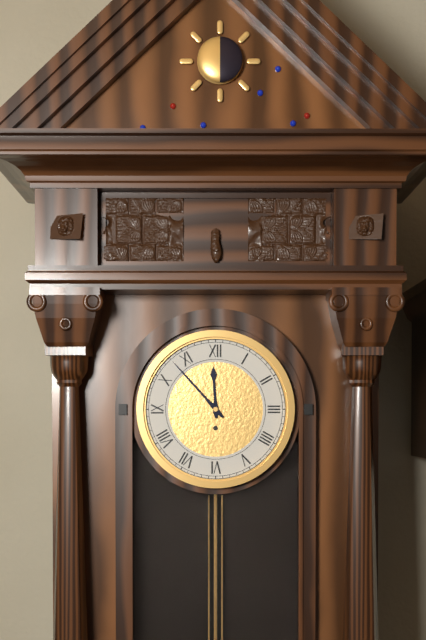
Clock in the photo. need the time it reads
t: 11:53
